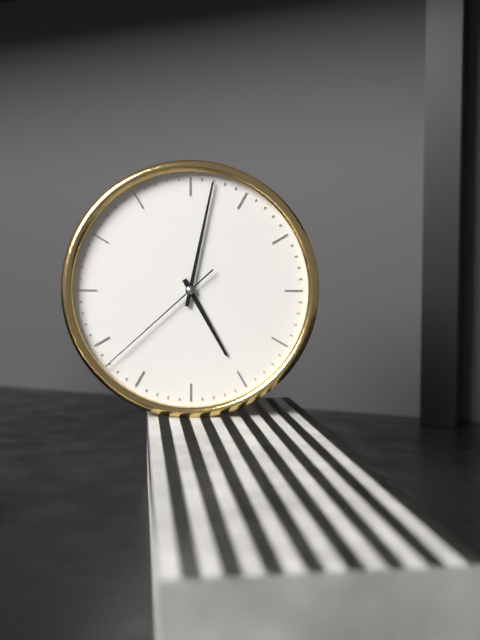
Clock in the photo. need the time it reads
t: 5:02:38
